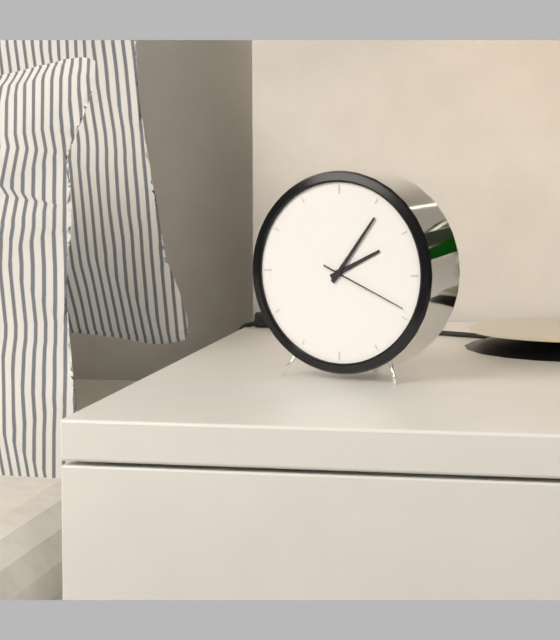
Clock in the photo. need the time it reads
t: 2:06:19
